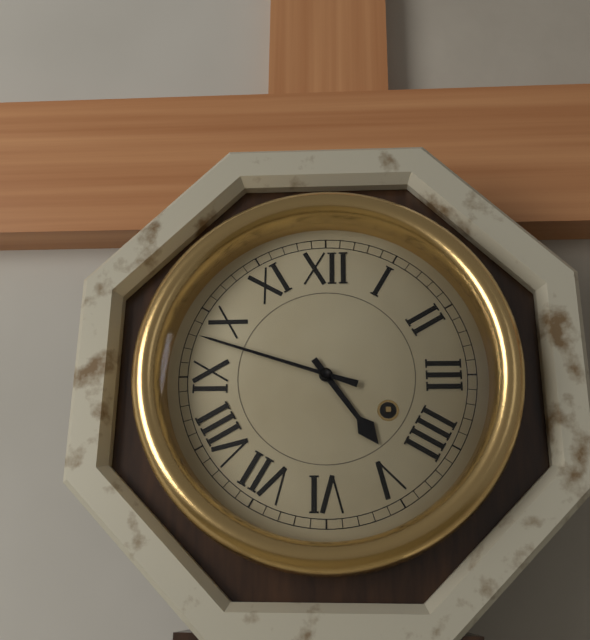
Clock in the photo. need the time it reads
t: 4:48
